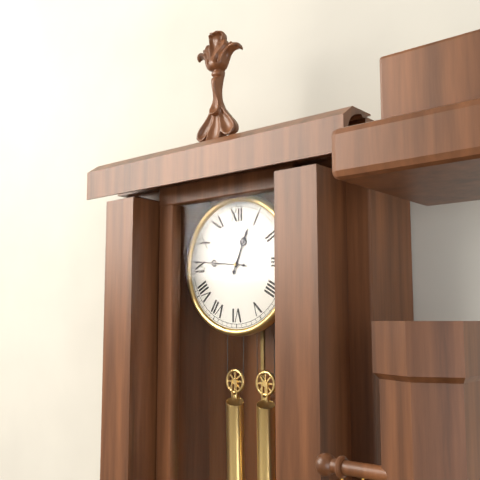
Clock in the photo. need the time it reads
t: 12:46
